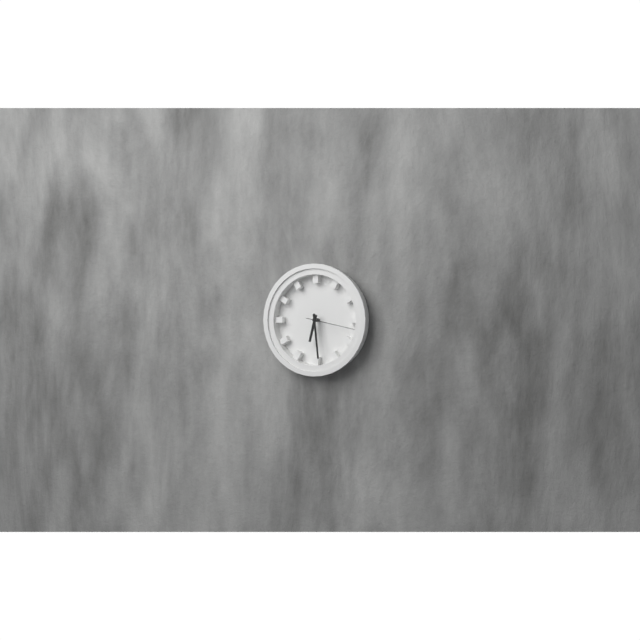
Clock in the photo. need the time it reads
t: 6:29:17
